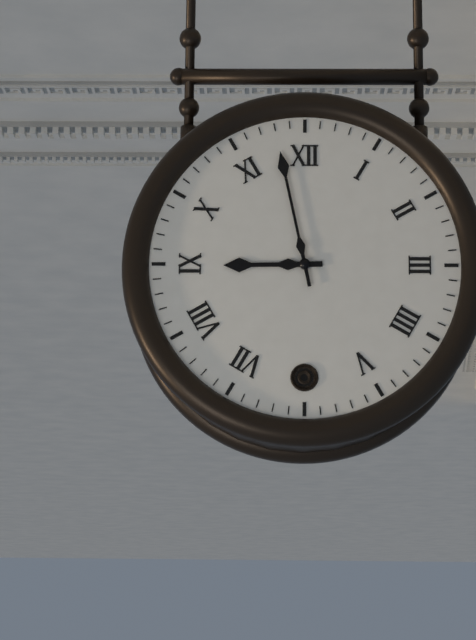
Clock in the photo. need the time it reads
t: 8:58
